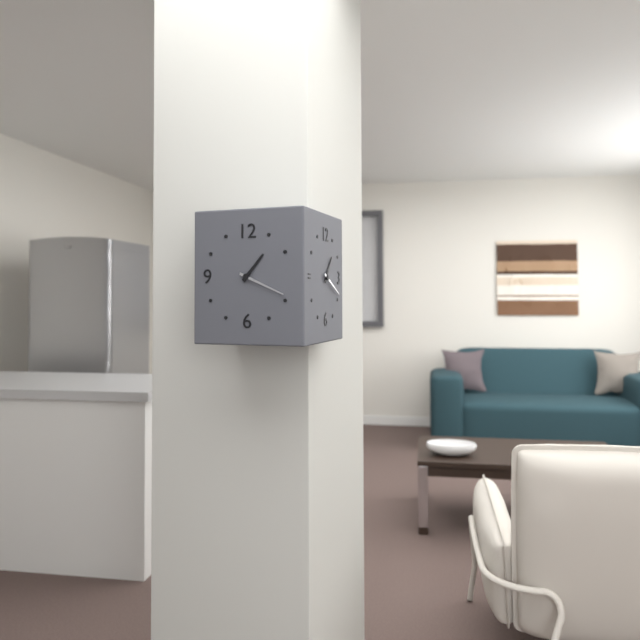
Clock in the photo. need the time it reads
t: 1:19
